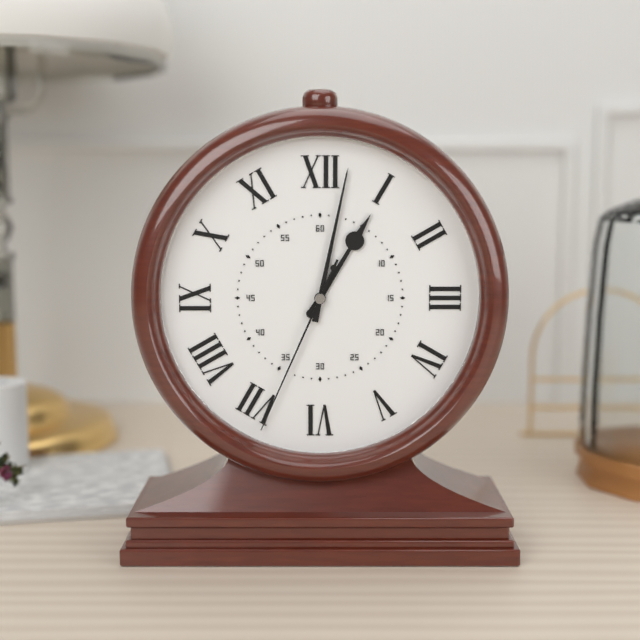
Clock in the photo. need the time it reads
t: 1:02:34
